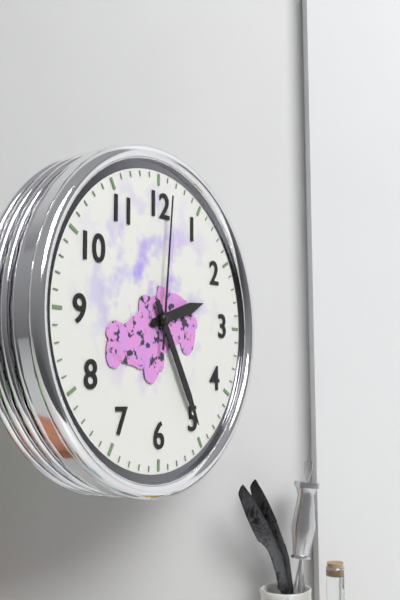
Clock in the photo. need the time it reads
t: 2:25:01
